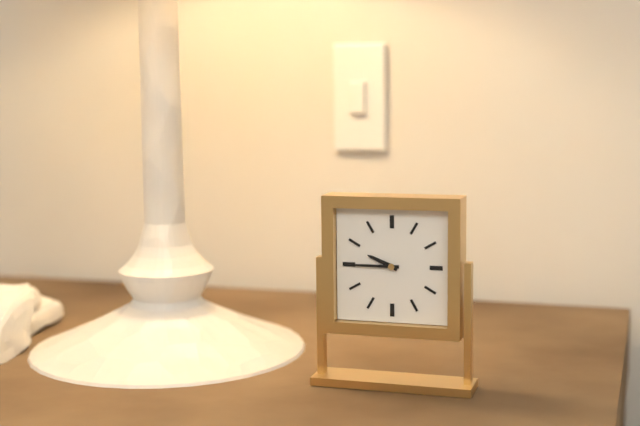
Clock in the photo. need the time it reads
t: 9:45
